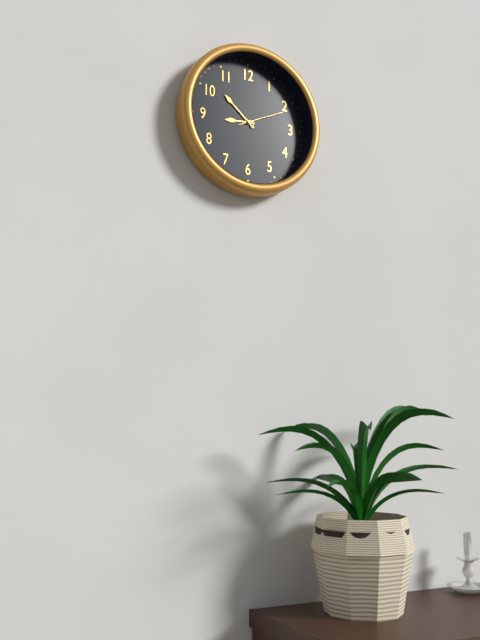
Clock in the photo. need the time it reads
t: 8:52:11
